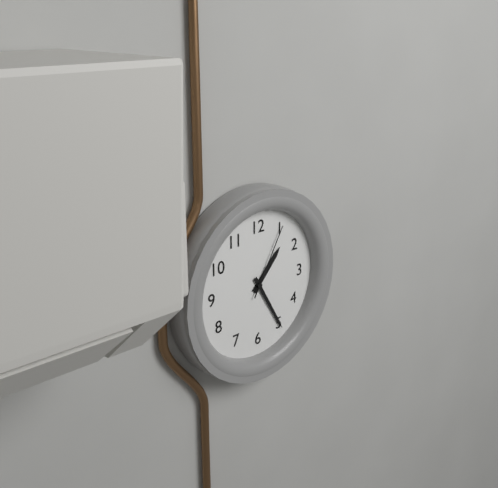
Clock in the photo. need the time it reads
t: 1:25:05
